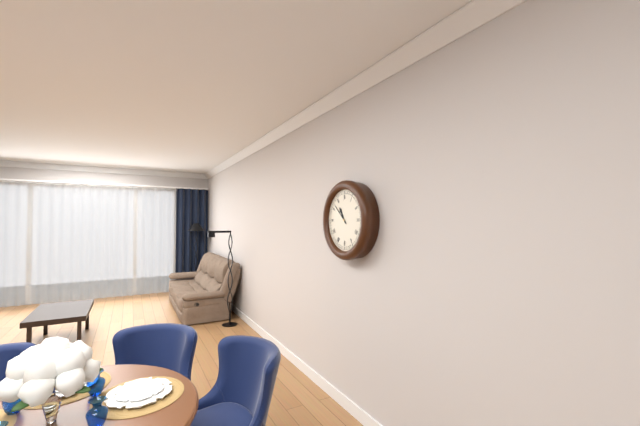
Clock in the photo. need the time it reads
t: 10:52
